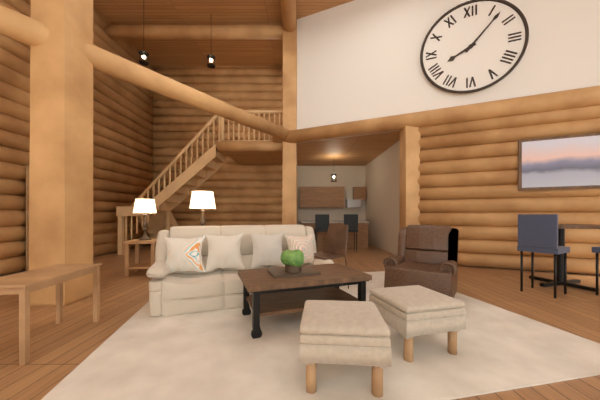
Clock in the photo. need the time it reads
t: 8:07
